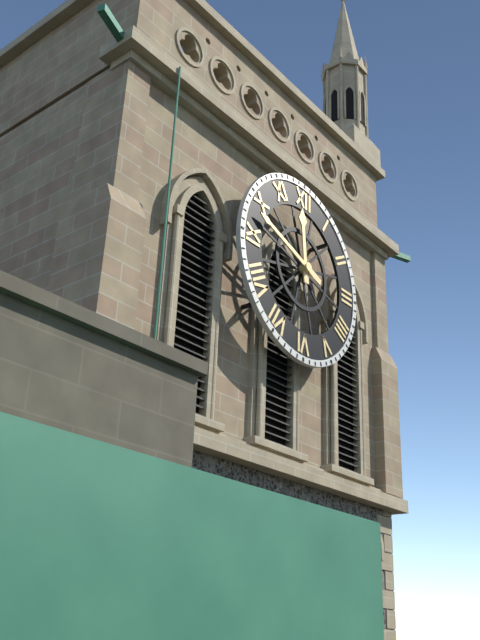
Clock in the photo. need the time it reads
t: 11:48
